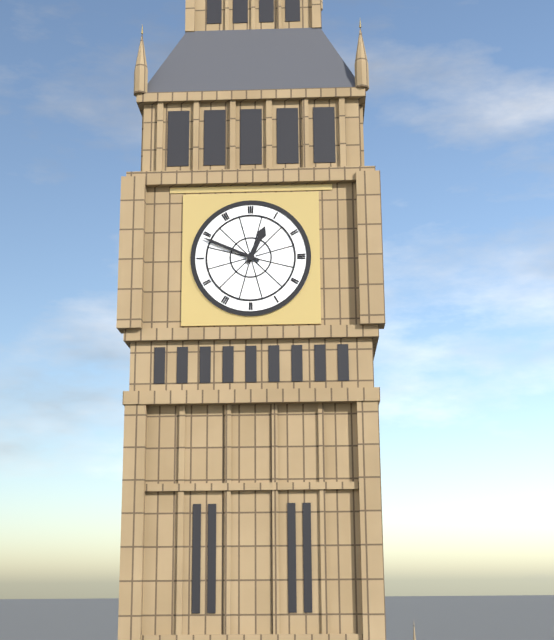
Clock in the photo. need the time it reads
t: 12:49
